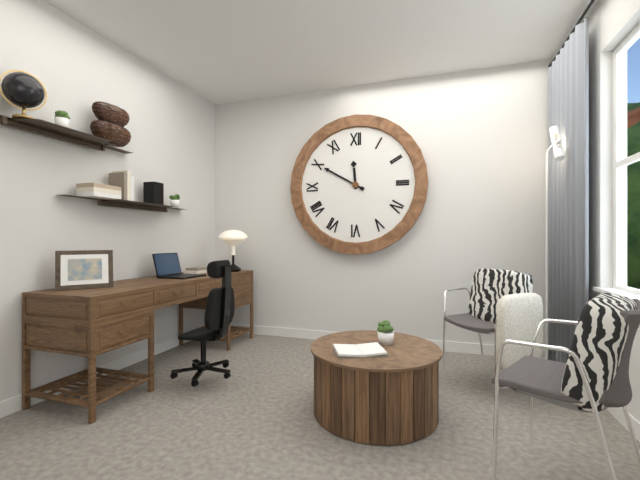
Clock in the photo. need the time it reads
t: 11:50
